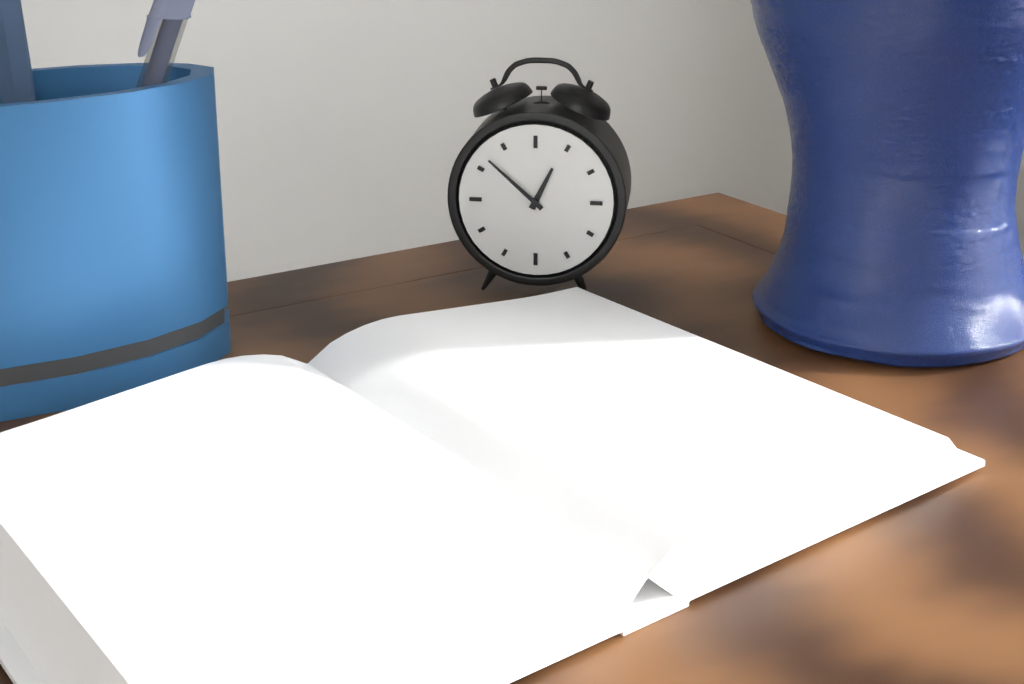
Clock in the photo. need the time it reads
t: 12:52
